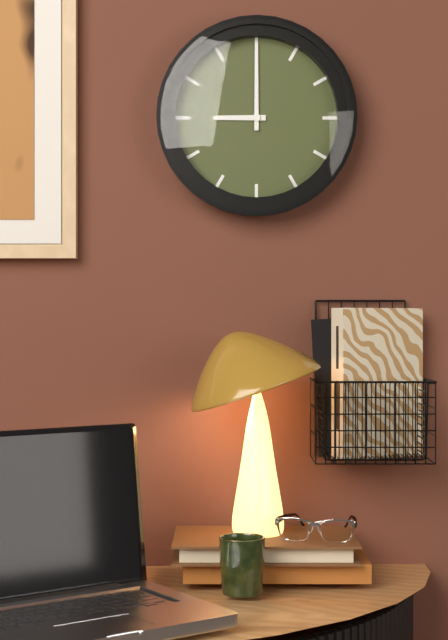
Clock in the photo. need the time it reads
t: 9:00
